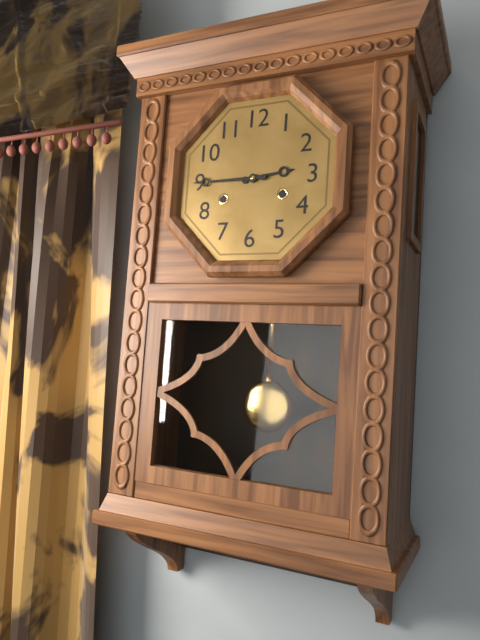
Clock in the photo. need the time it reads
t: 2:45
